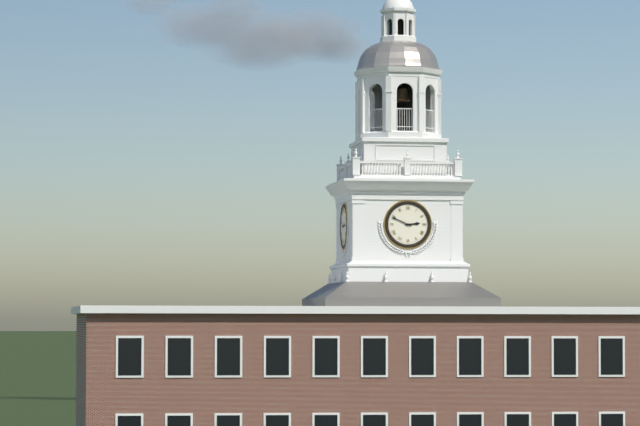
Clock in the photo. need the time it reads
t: 2:49
